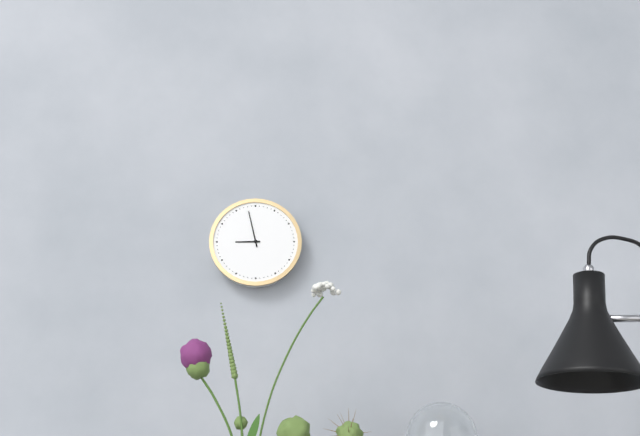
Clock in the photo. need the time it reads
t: 8:58
